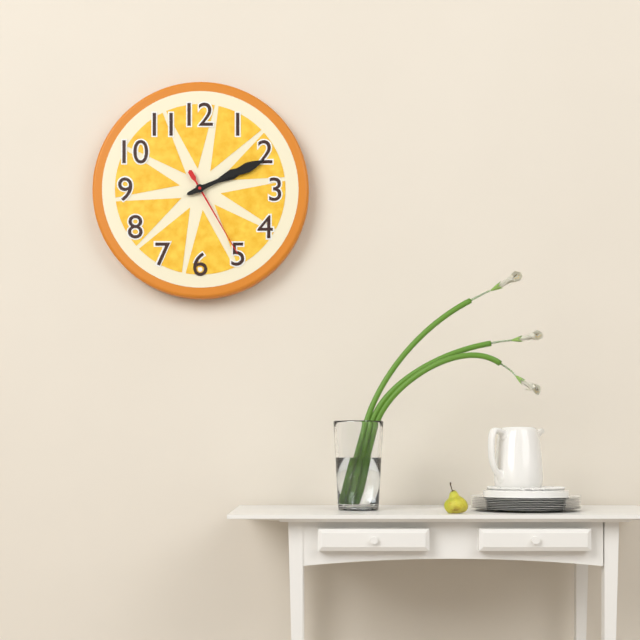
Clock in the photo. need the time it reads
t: 2:11:25
